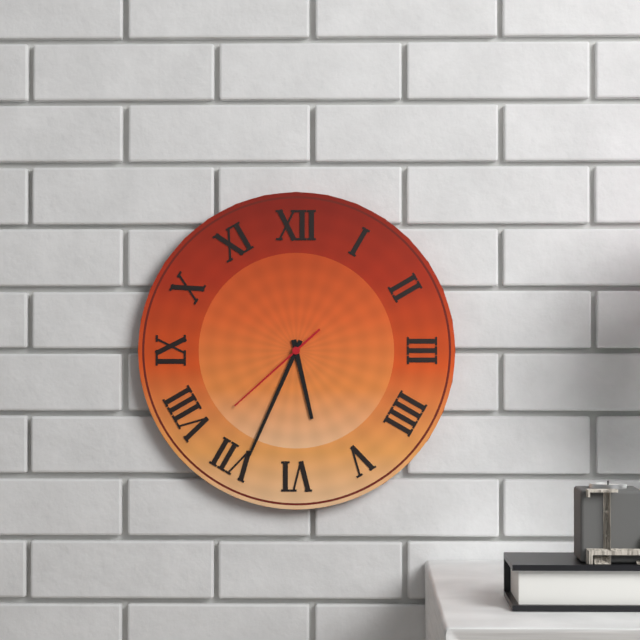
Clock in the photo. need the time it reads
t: 5:34:38
